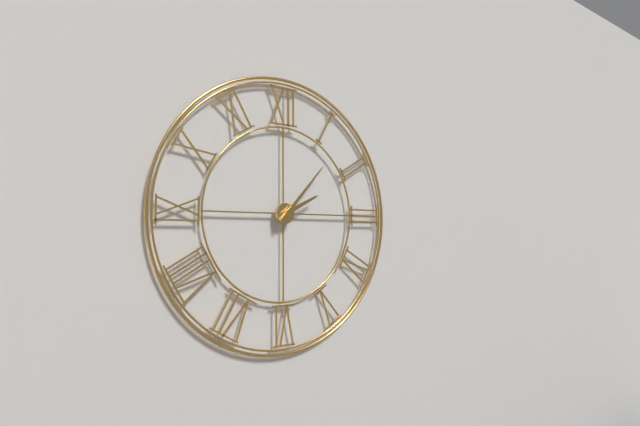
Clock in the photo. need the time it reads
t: 2:07
